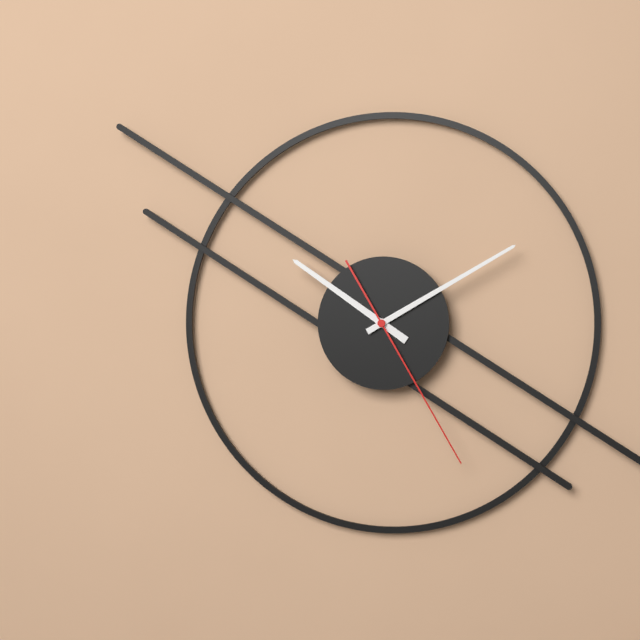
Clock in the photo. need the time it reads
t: 10:10:25
